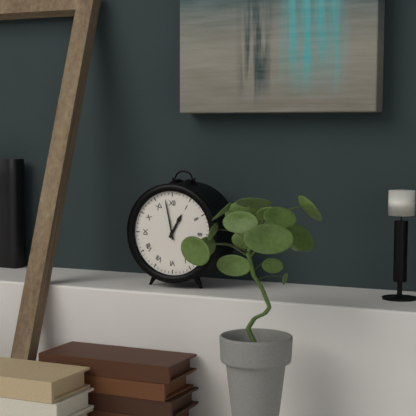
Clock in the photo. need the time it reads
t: 12:58
